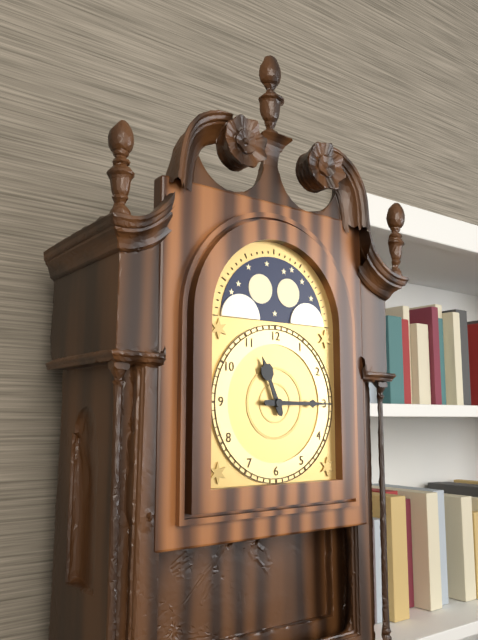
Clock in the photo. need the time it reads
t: 11:15
